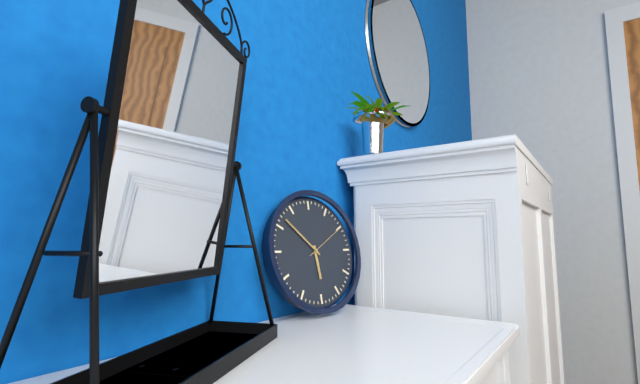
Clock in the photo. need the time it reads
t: 5:52
